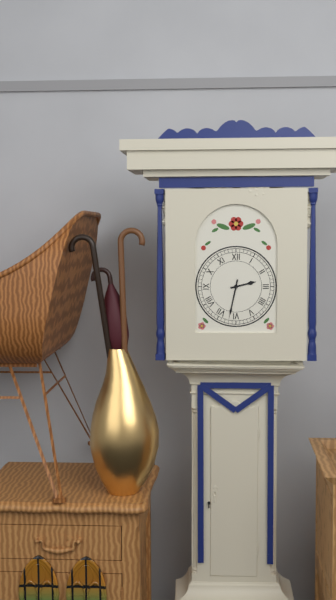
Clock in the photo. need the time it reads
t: 2:32
